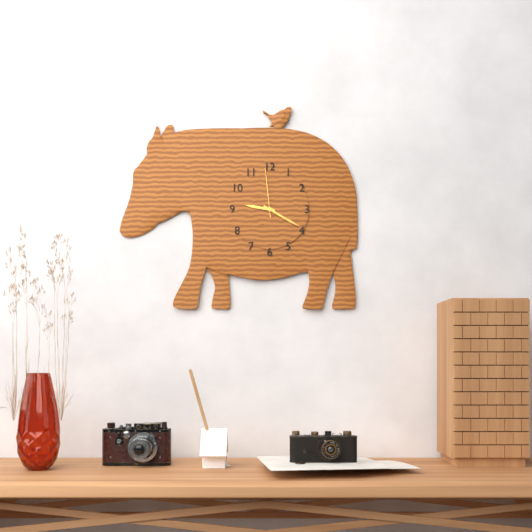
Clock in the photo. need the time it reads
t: 9:20:59
